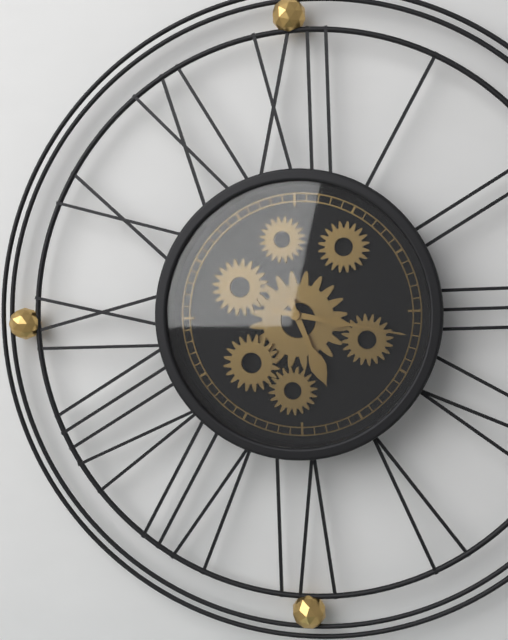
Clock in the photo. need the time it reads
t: 5:17
